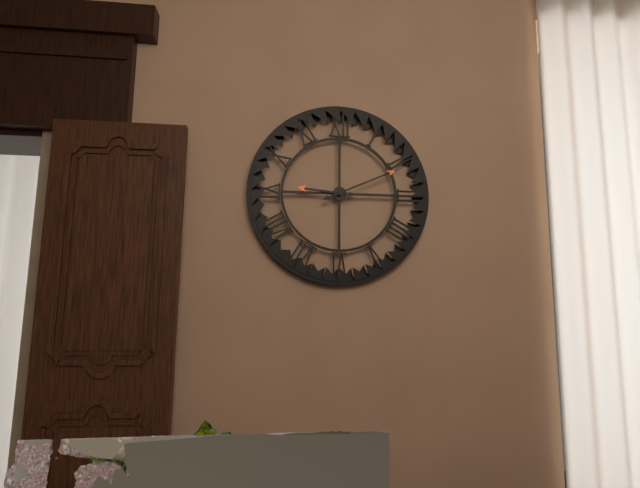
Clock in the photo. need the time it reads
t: 9:11
